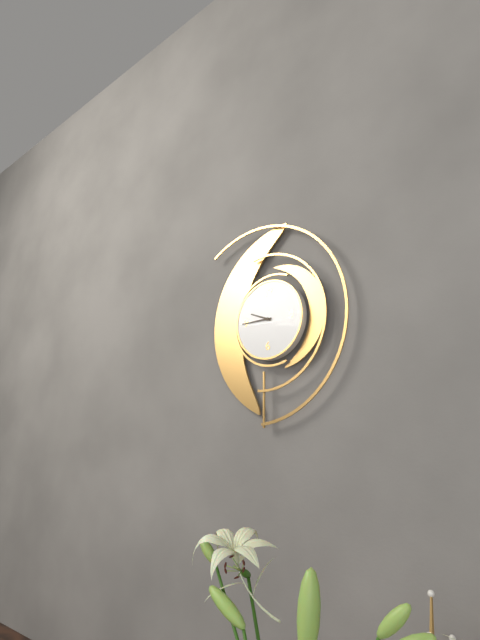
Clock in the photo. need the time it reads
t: 9:45
